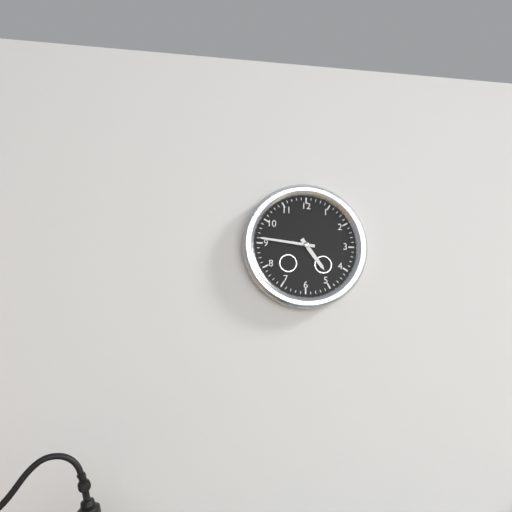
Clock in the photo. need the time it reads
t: 4:46
